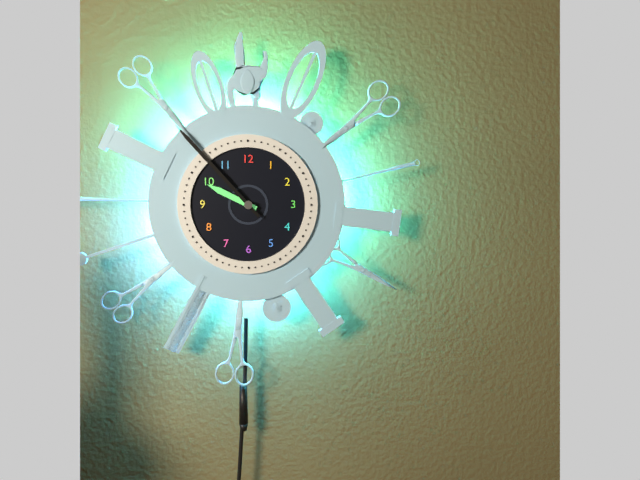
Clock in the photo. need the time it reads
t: 9:53
